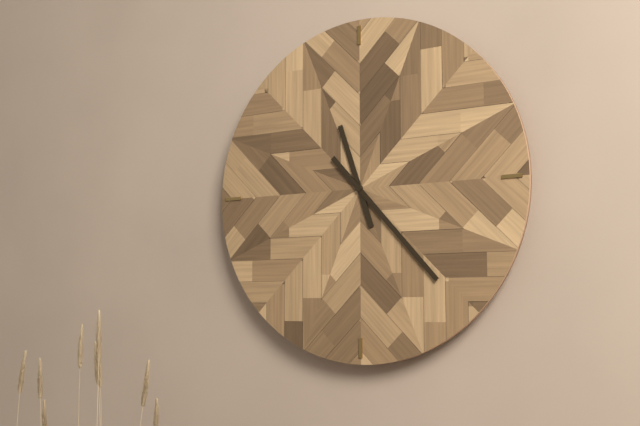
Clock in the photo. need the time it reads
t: 11:23
